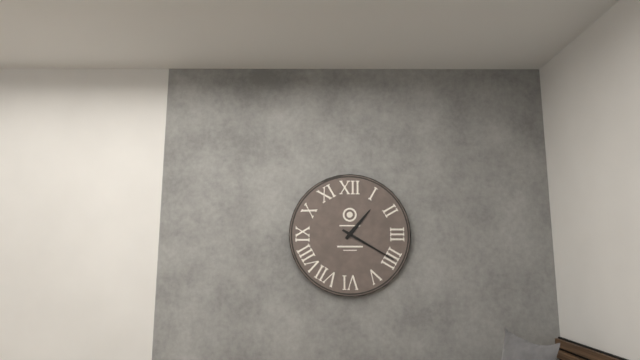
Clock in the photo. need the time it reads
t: 1:20
